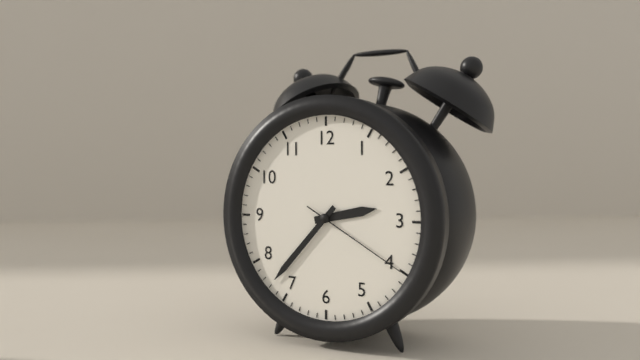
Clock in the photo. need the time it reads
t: 2:37:20
